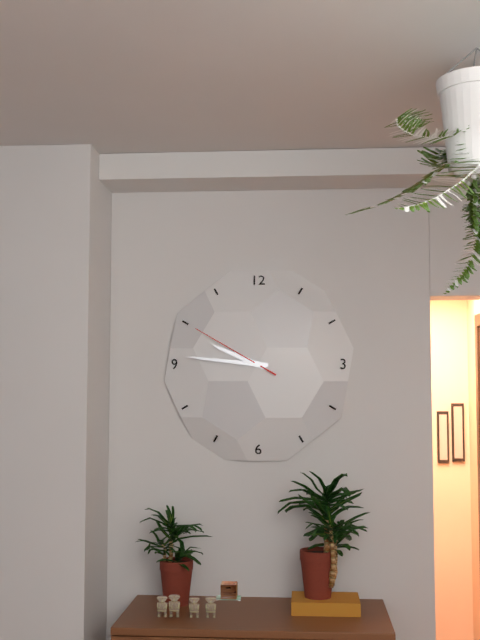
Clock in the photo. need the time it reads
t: 9:46:50
